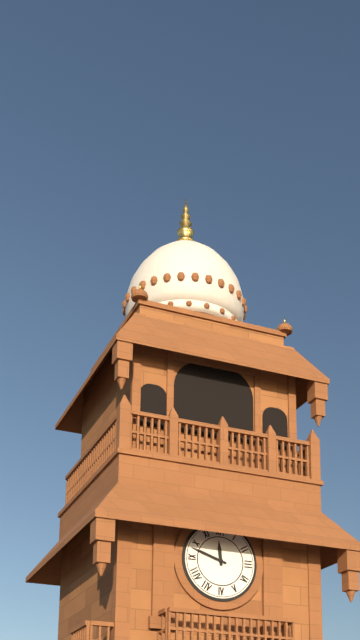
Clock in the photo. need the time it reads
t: 11:48
